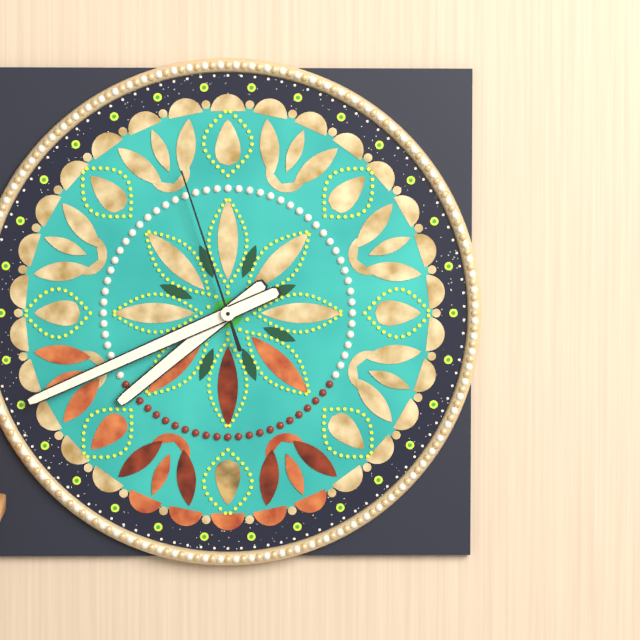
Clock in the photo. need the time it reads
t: 7:41:57
